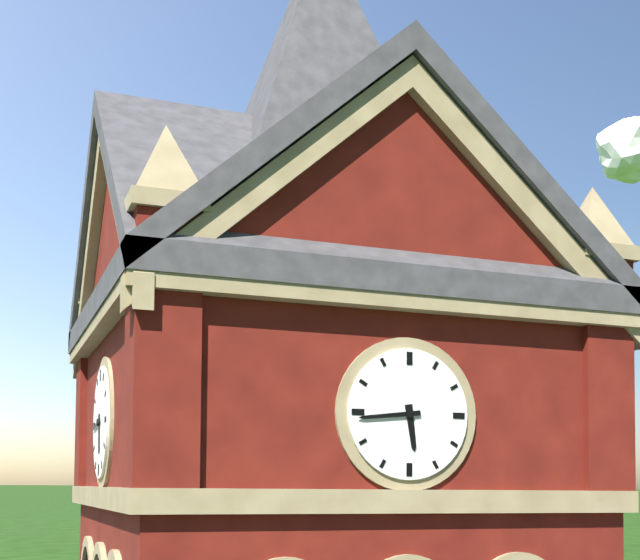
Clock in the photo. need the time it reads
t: 5:44
